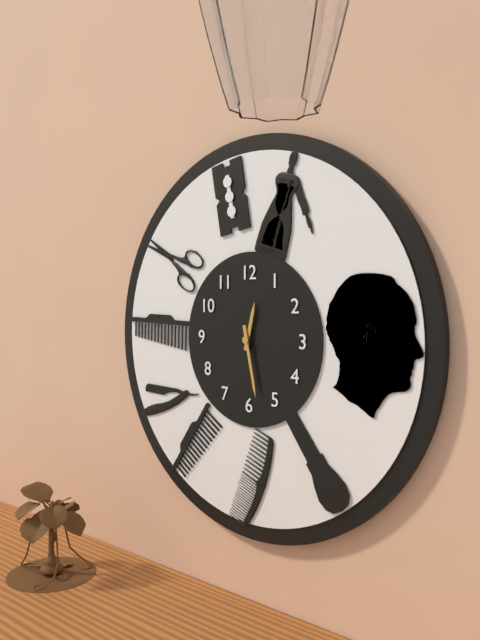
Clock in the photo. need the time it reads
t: 12:28
